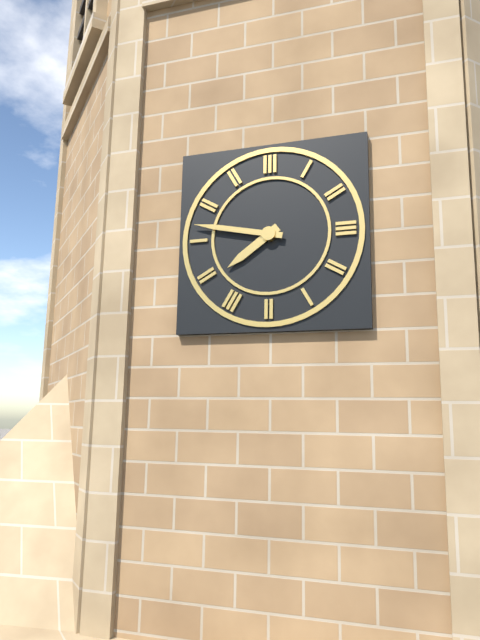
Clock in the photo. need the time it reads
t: 7:47
